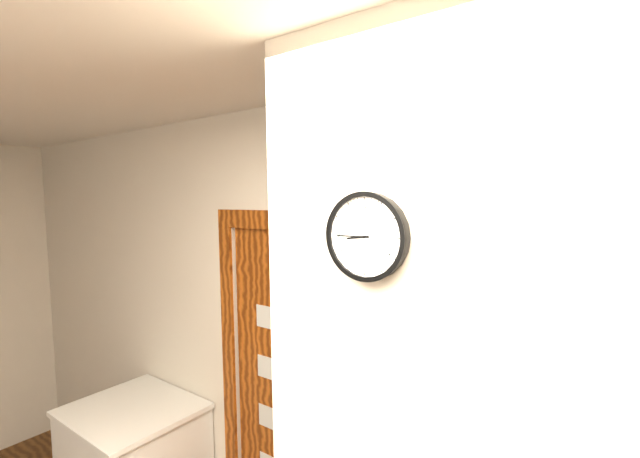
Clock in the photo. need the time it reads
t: 8:45
